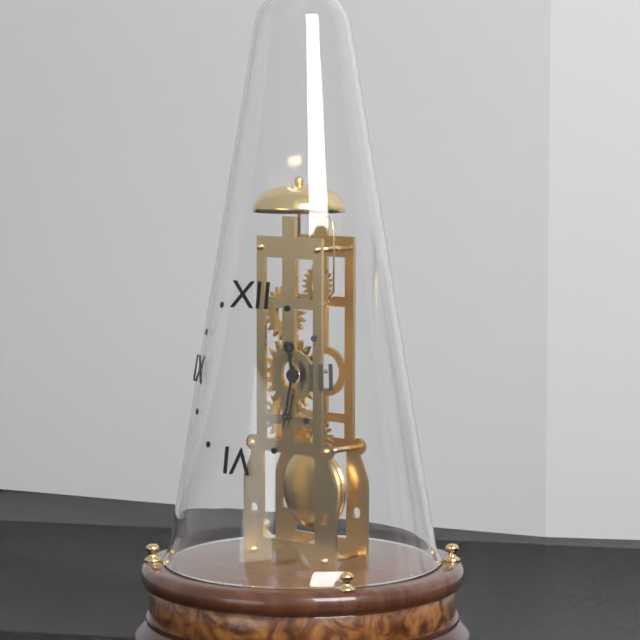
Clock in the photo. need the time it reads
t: 11:32
